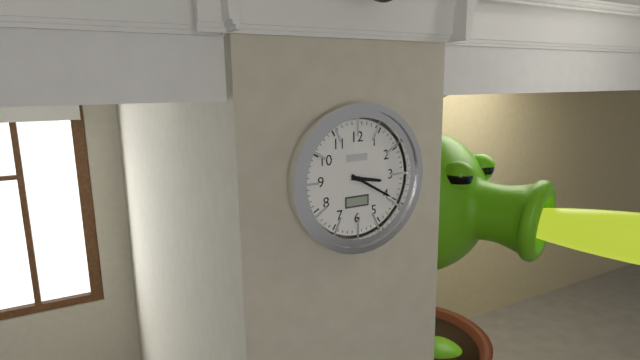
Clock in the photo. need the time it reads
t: 3:20
